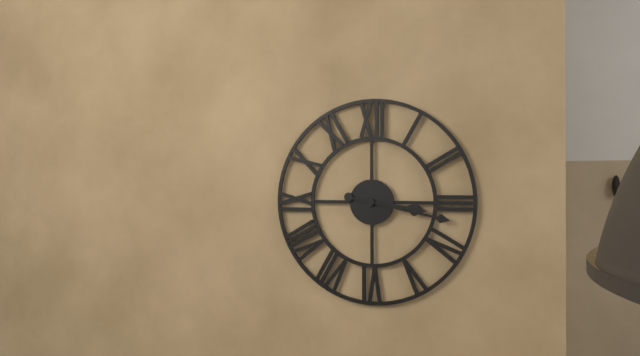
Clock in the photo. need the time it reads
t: 3:17
